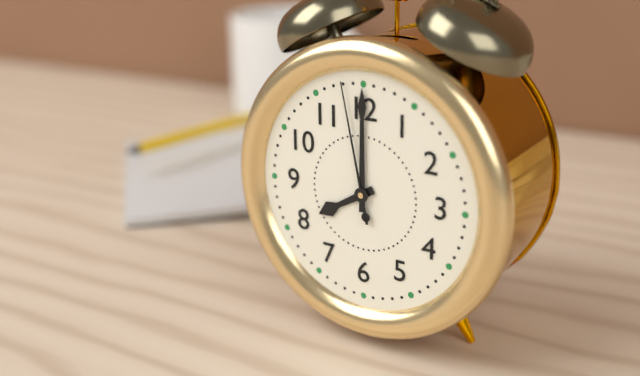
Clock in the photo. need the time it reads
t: 8:00:58
